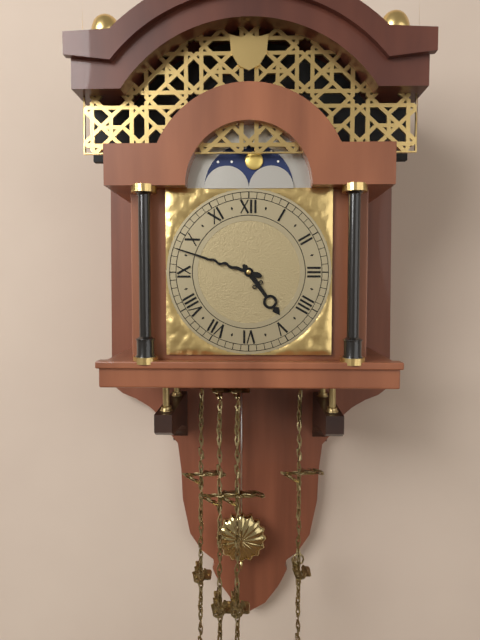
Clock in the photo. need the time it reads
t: 4:48
